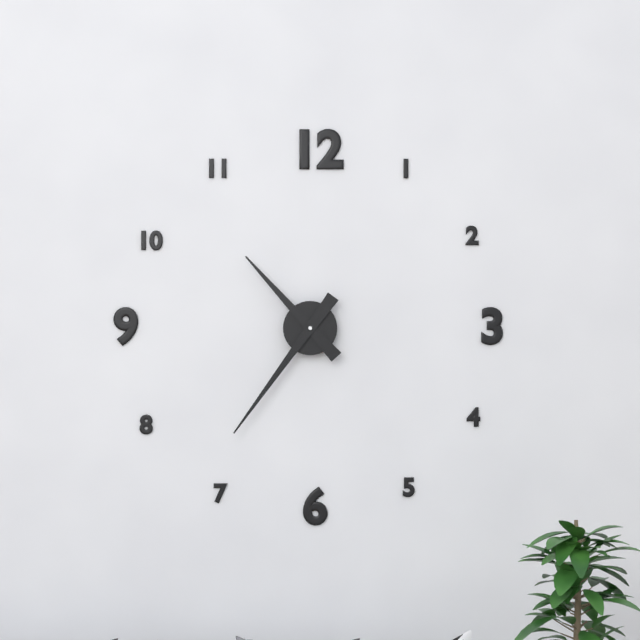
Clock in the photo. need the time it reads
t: 10:36
